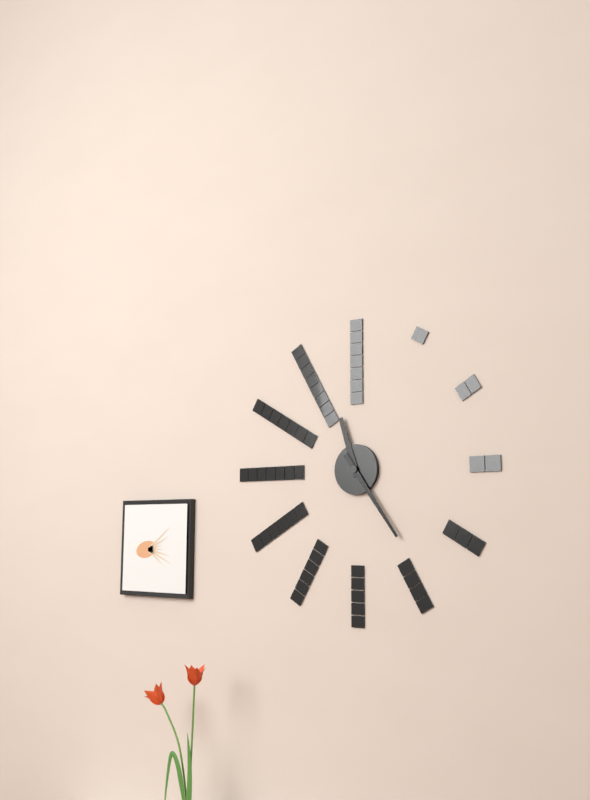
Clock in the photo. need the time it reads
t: 11:24
